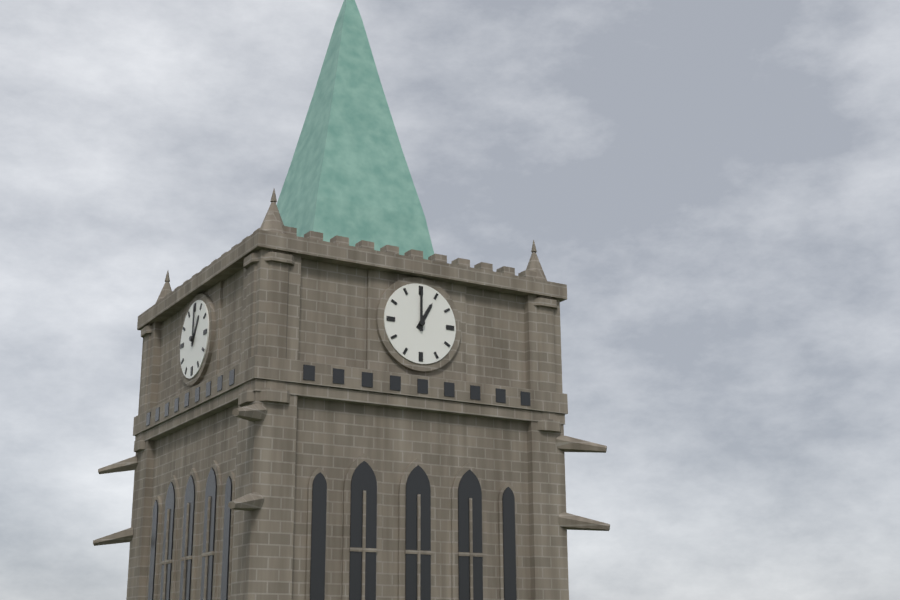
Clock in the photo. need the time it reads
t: 1:00
